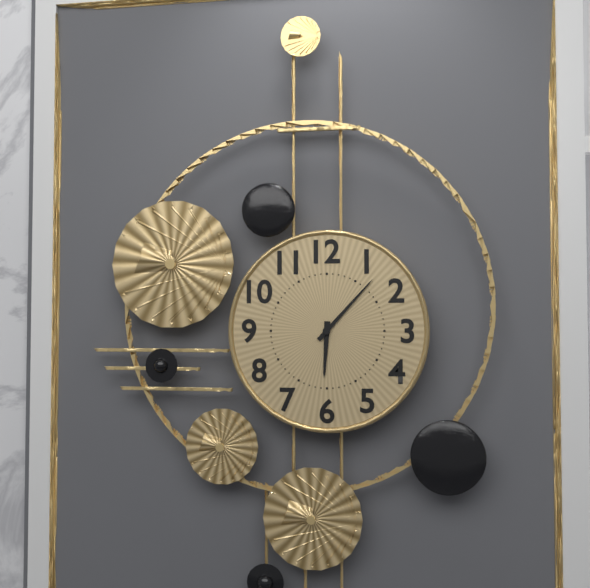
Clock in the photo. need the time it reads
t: 6:07
